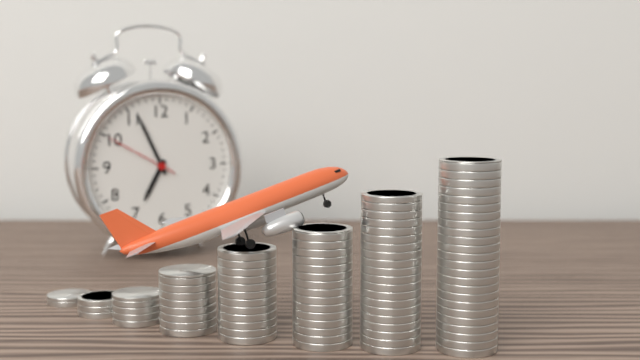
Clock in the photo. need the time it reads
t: 6:56:50
